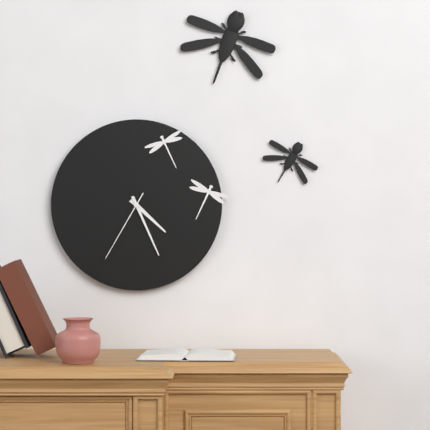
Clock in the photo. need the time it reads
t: 4:26:35
